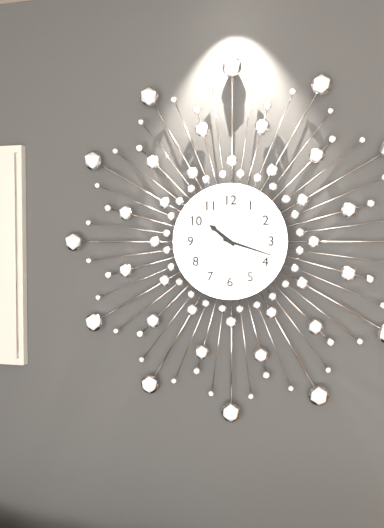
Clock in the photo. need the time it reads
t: 10:18
